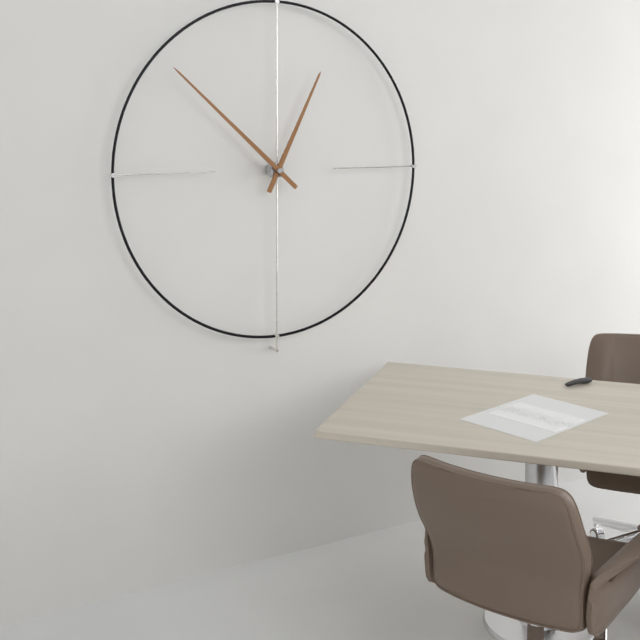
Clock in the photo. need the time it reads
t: 12:52
